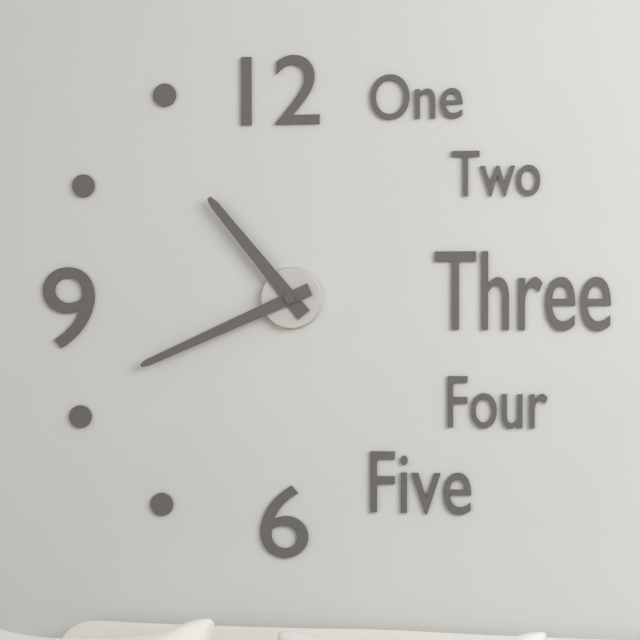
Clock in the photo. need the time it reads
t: 10:41
